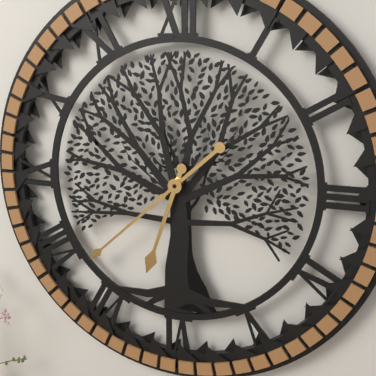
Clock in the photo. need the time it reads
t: 6:38
